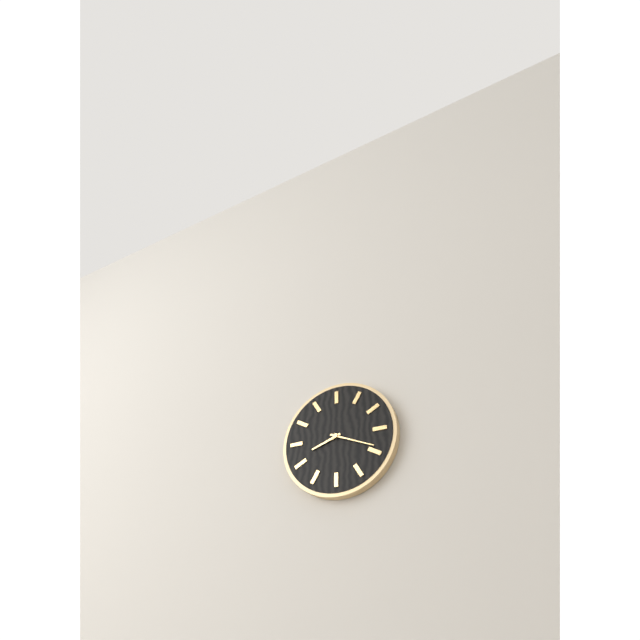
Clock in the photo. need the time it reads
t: 8:19
